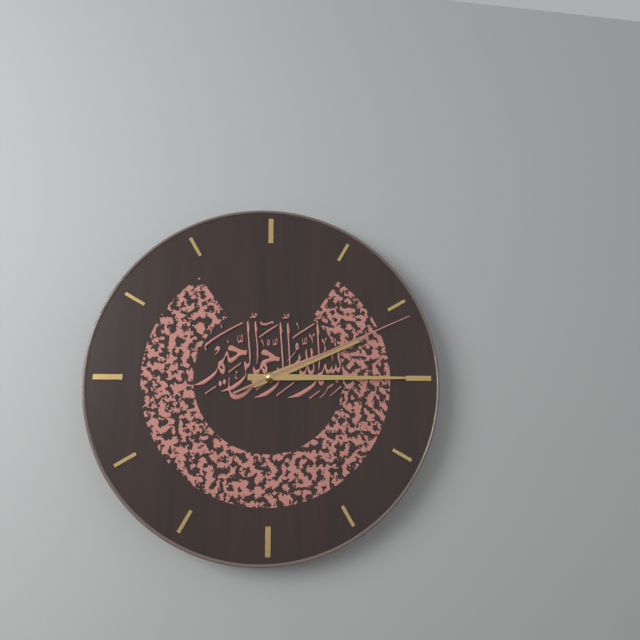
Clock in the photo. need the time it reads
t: 2:15:11
